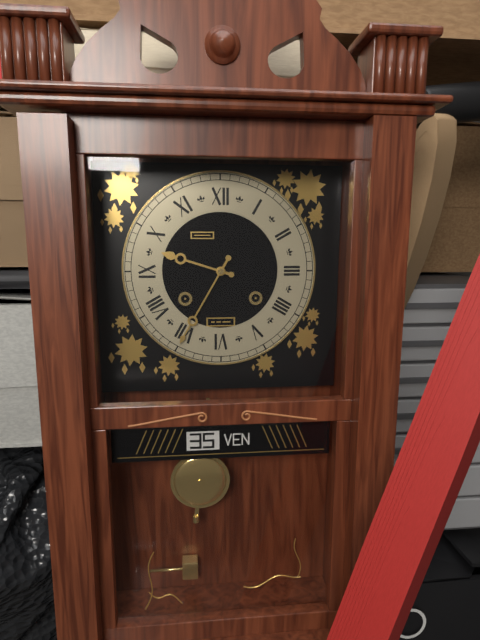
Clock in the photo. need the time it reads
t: 9:35
